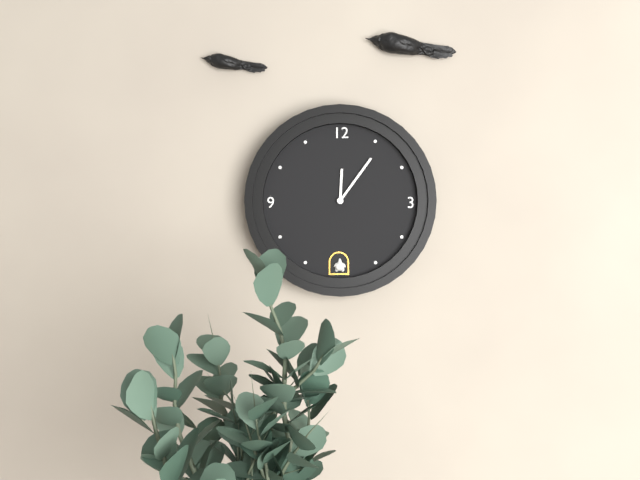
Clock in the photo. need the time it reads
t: 12:06
